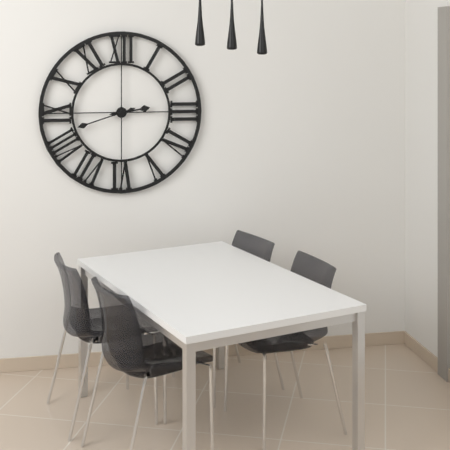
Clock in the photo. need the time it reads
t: 2:42
